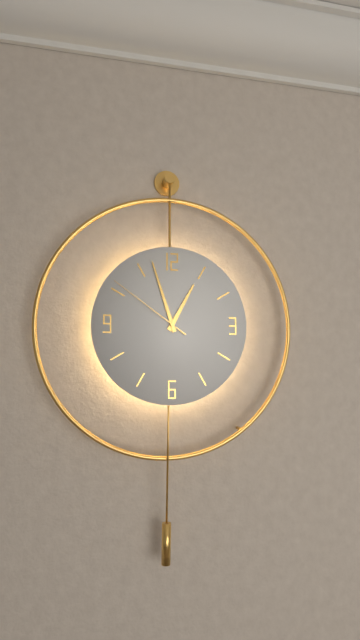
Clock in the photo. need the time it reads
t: 12:57:51
